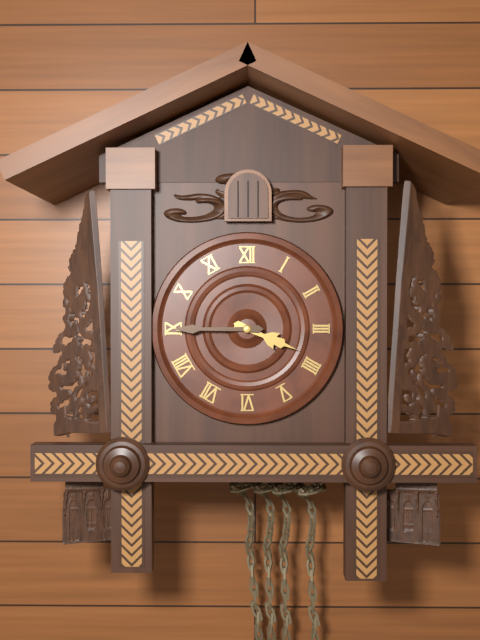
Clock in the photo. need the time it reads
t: 3:45
